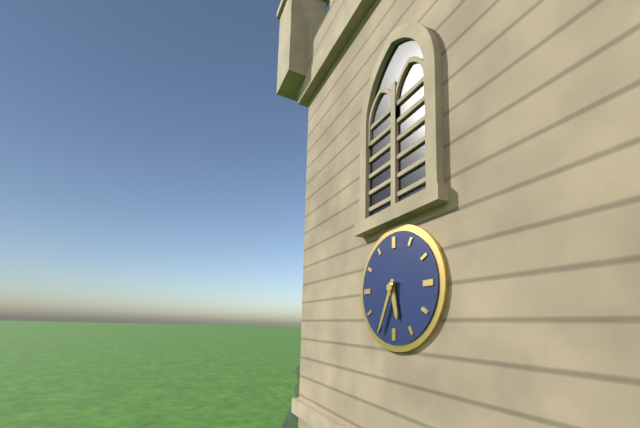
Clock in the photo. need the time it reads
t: 5:34
